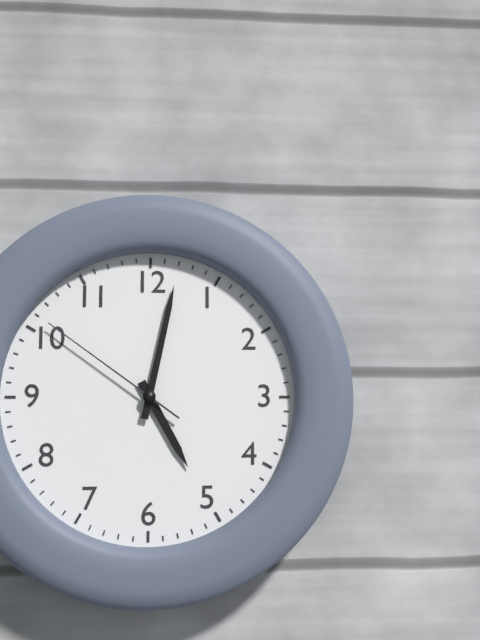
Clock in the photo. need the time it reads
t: 5:02:51
